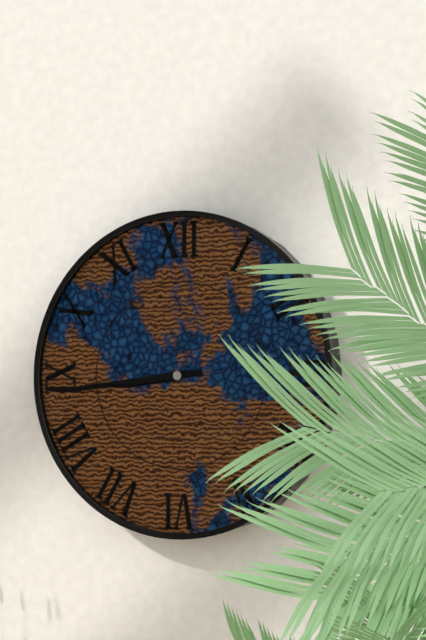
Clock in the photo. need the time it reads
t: 8:44
